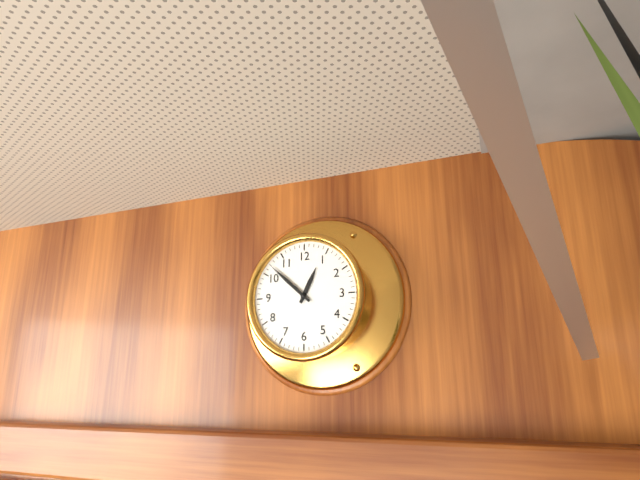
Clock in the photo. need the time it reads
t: 12:52
